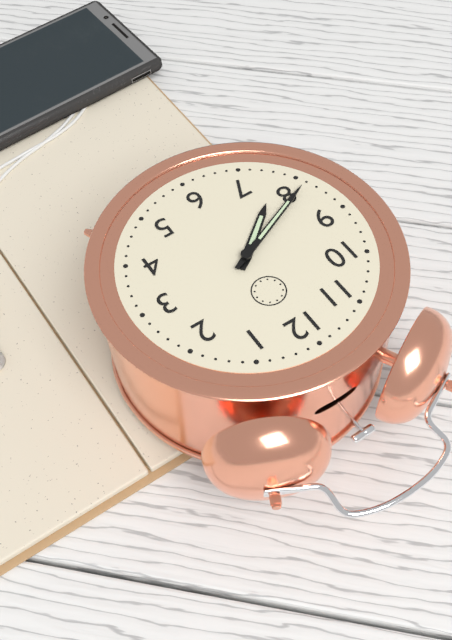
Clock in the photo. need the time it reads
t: 7:41
